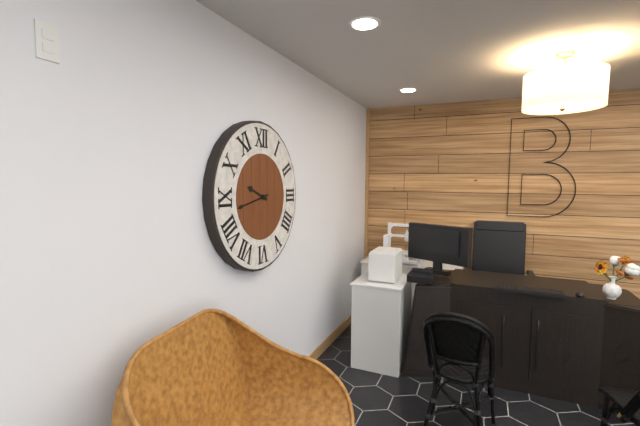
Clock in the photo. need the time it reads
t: 9:43
